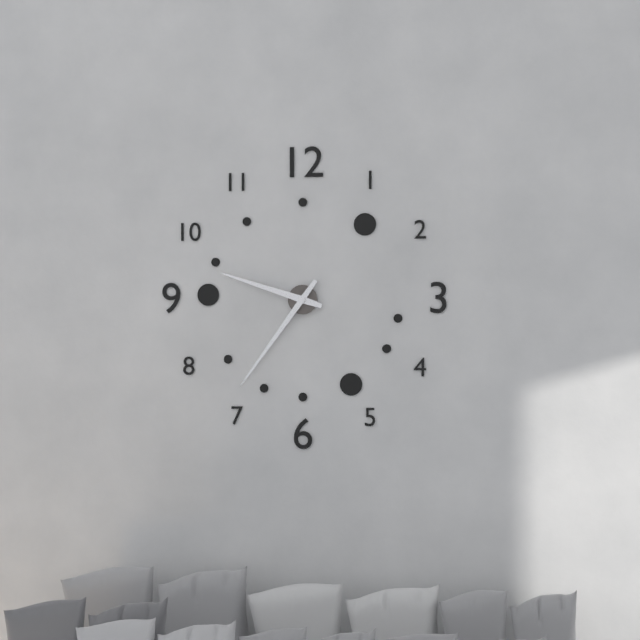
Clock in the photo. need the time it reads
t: 9:36
